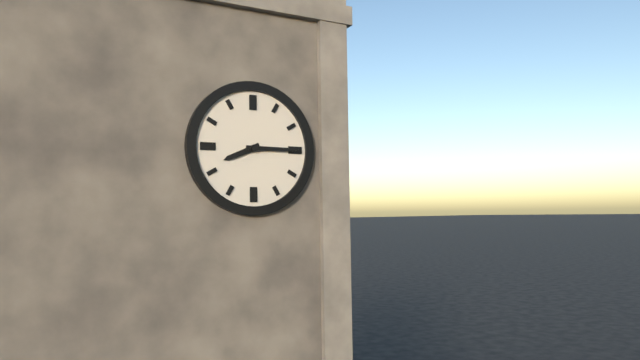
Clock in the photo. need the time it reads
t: 8:15
